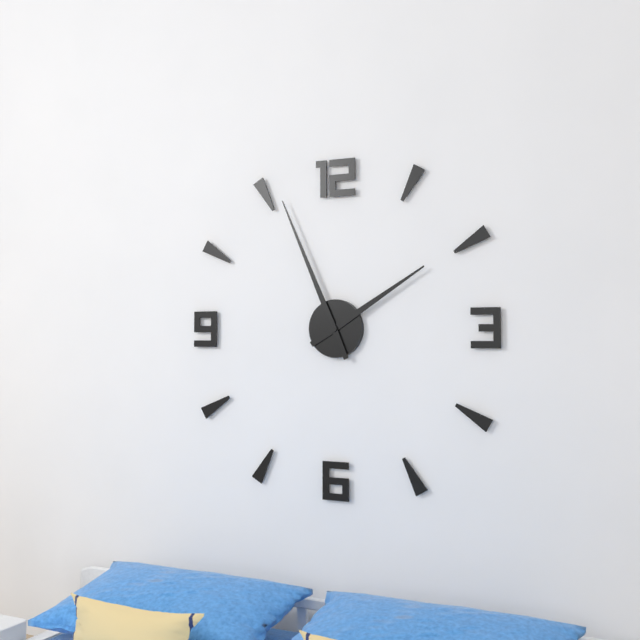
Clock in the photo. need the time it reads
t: 1:56
